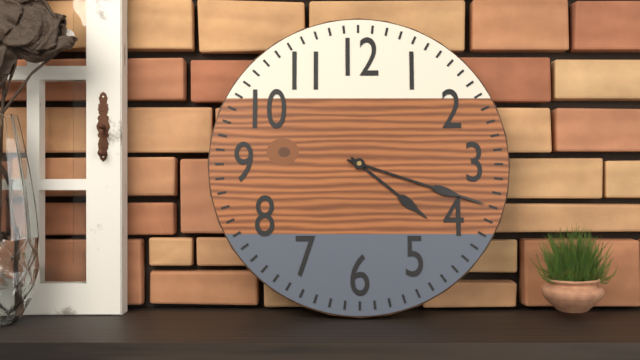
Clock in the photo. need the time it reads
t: 4:18
